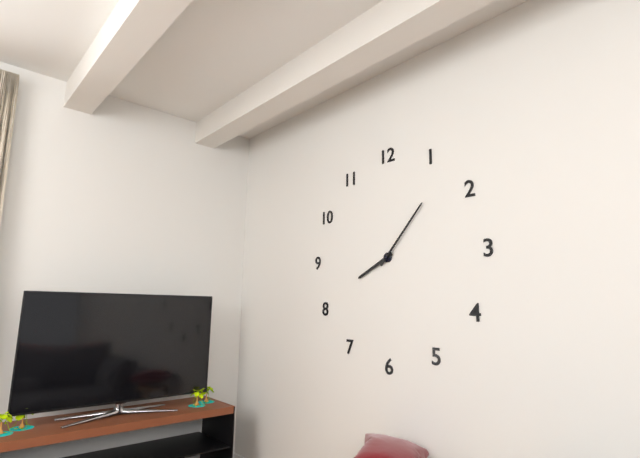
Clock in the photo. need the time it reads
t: 8:07
